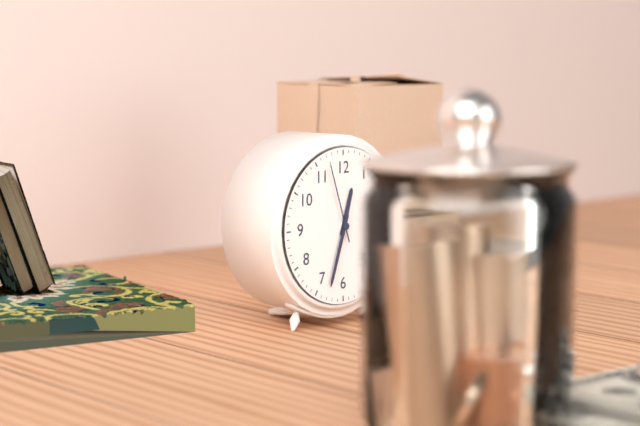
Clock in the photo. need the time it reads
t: 12:33:57
